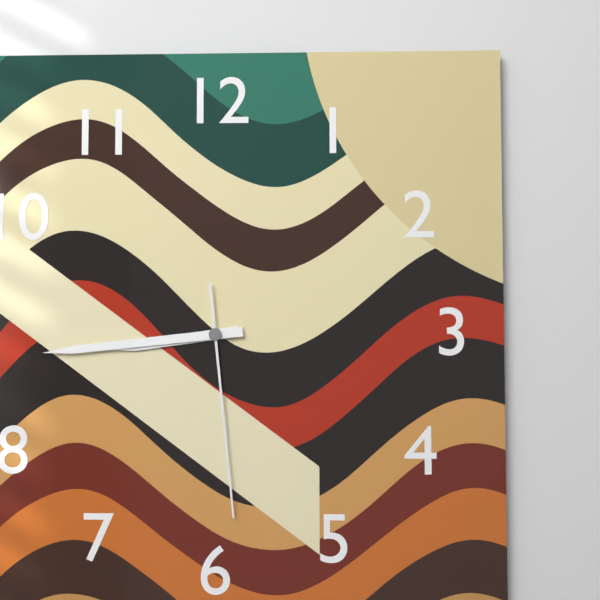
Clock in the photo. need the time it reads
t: 8:44:29
